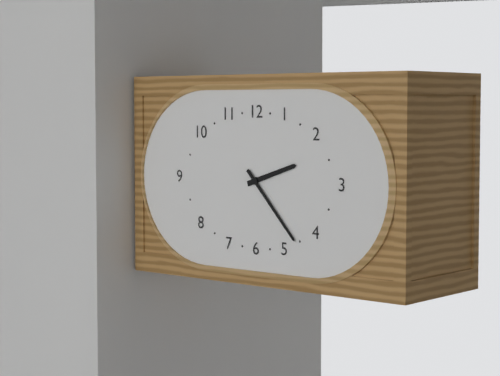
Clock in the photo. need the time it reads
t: 2:23
